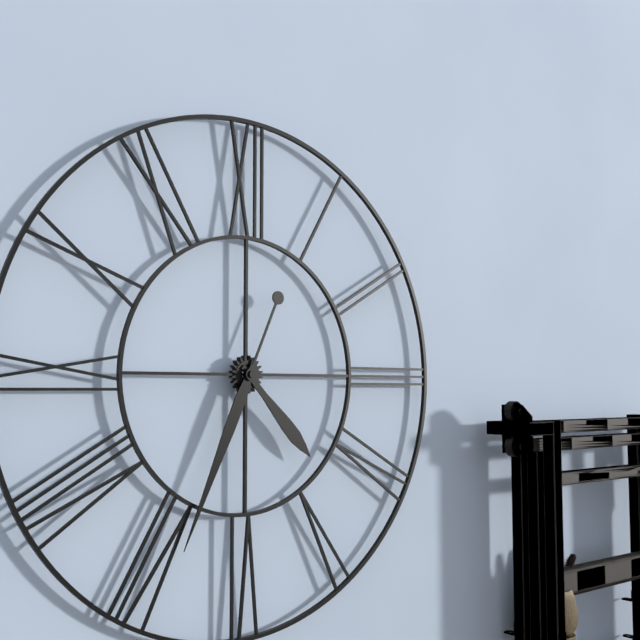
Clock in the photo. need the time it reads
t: 4:34
